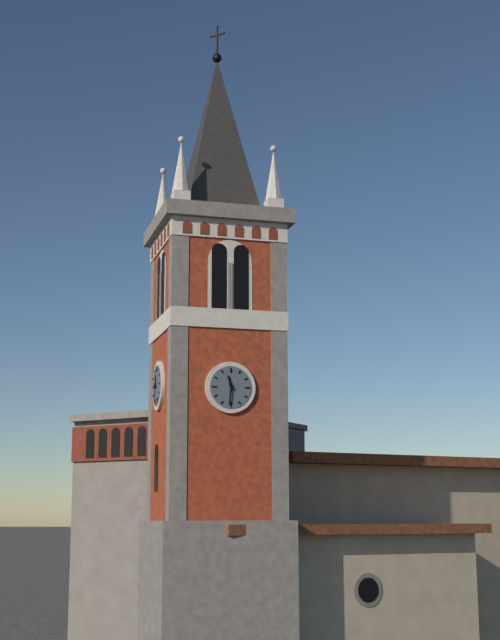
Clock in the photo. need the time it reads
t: 11:31
